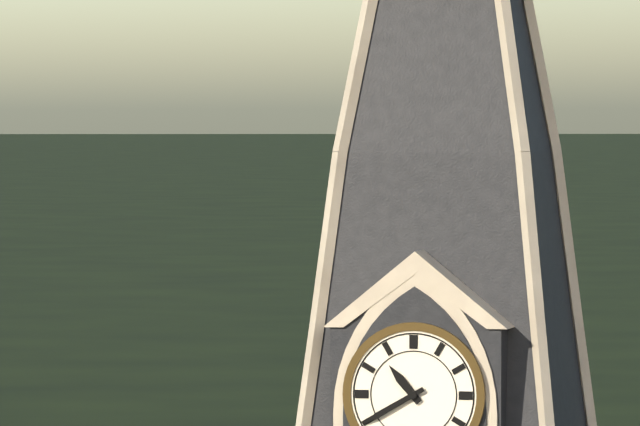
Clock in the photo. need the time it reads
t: 10:40
